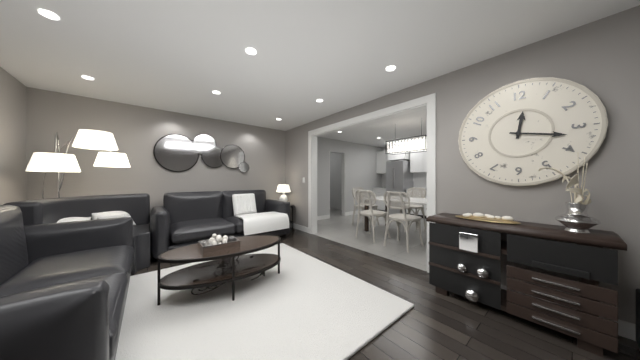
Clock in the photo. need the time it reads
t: 12:17
